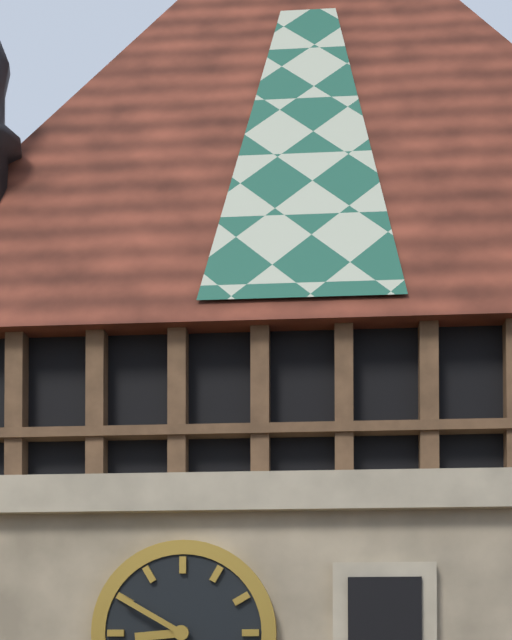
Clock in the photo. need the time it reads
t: 8:50
